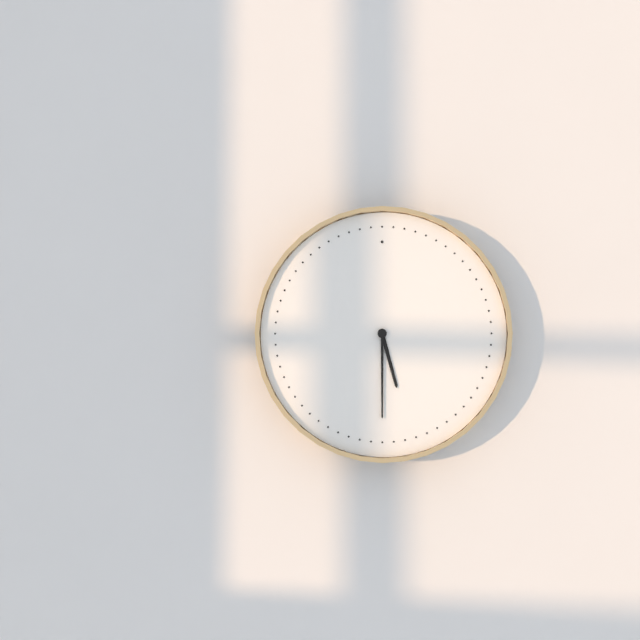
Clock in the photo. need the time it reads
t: 5:30
